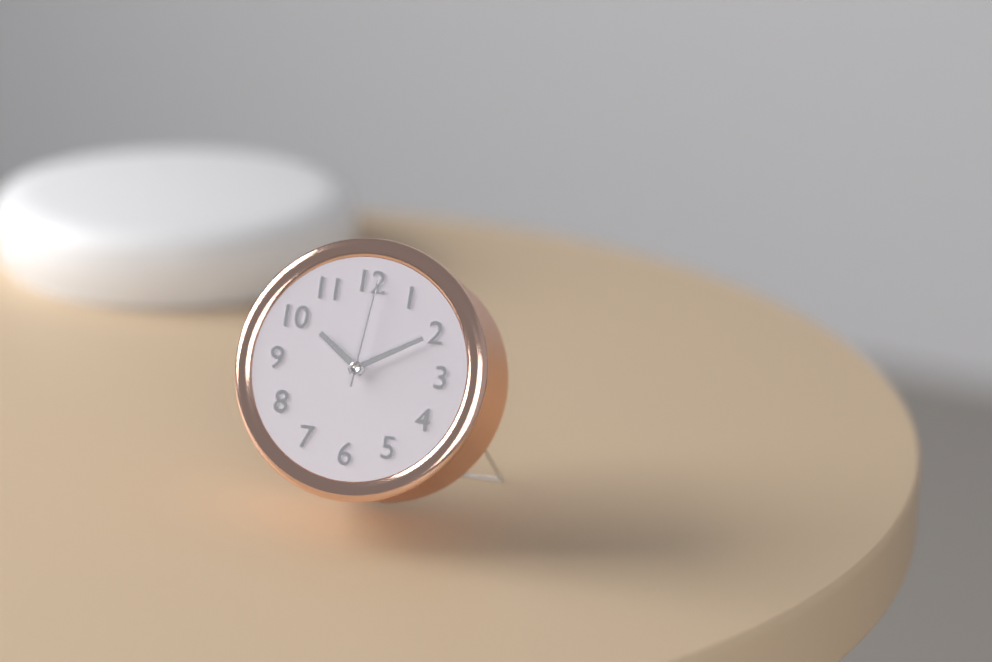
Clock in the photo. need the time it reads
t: 10:10:01
